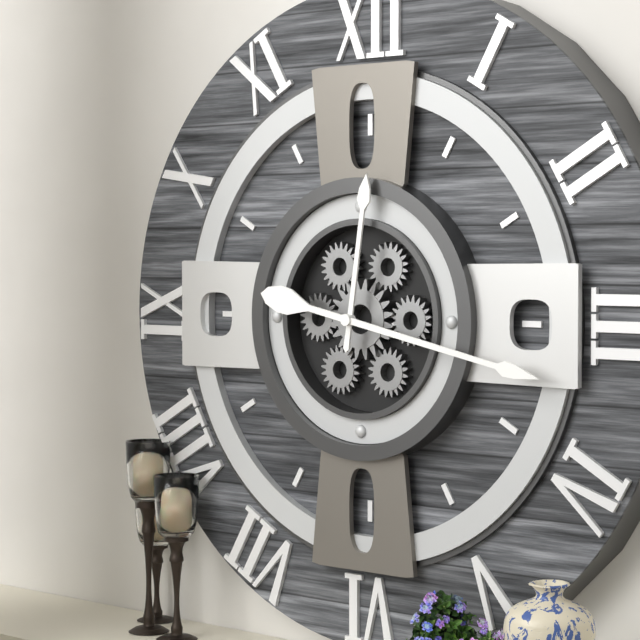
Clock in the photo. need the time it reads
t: 12:17
